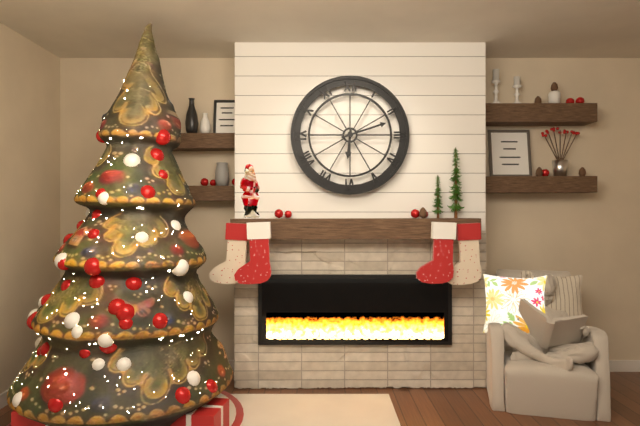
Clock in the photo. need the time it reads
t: 6:12
